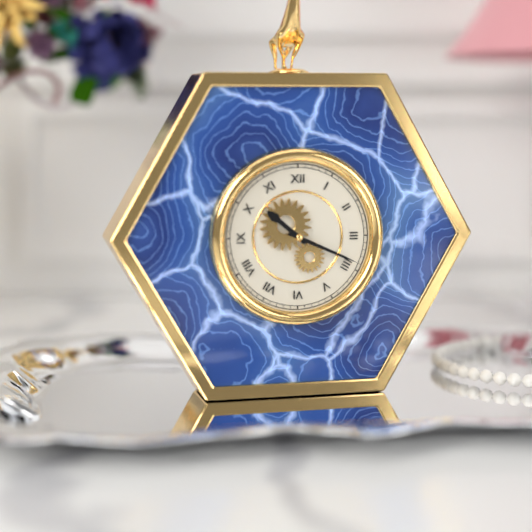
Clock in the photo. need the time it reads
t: 10:19
